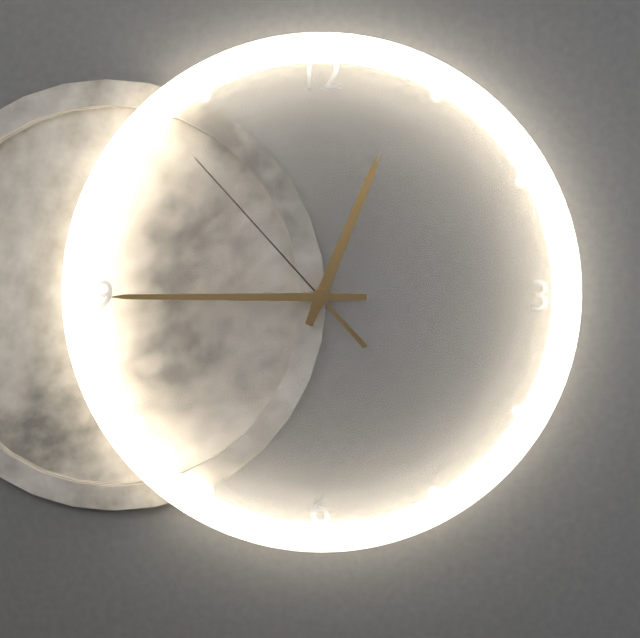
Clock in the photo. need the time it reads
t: 12:45:53
